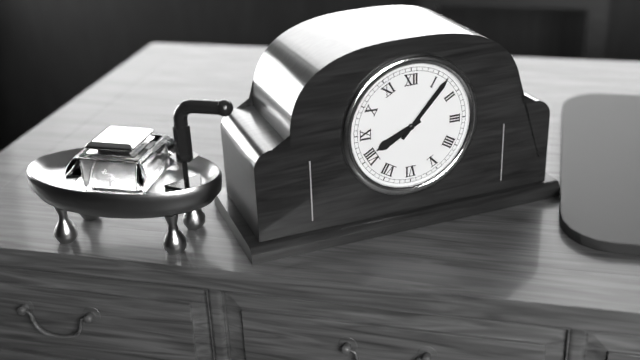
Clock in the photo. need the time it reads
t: 8:07
